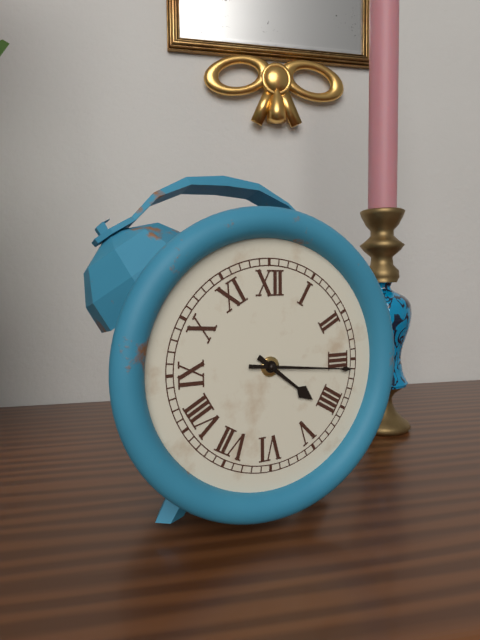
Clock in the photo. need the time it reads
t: 4:16
